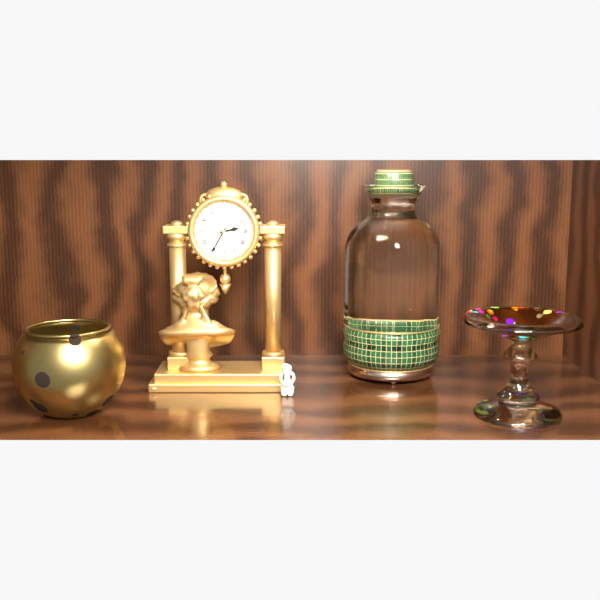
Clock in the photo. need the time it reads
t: 2:35
